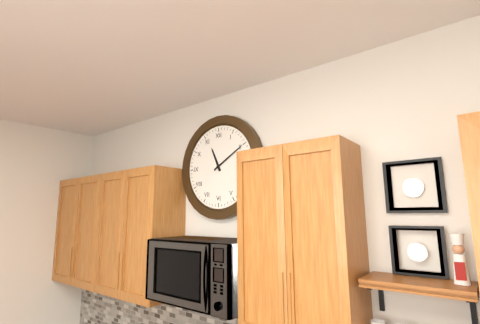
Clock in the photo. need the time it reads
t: 11:10
